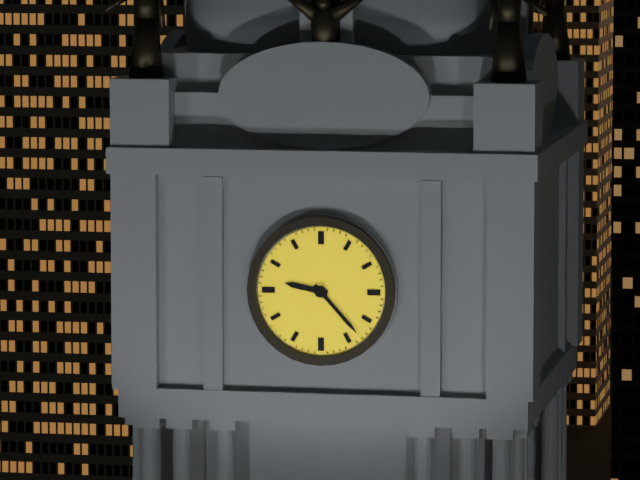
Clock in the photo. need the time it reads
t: 9:23
